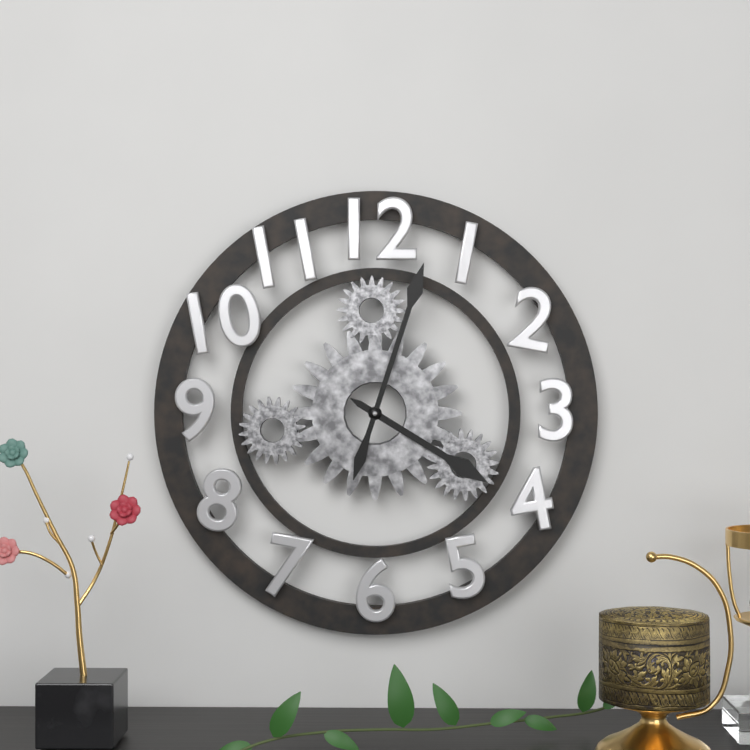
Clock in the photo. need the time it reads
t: 4:03
